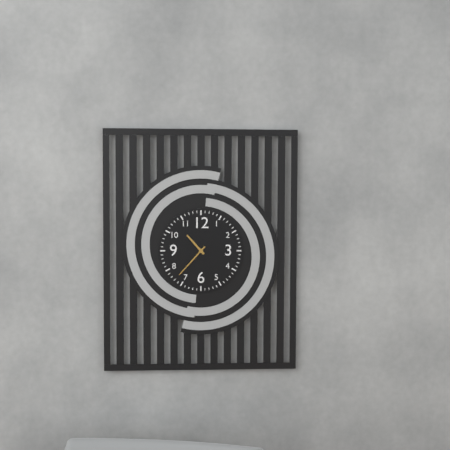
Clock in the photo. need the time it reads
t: 10:37
